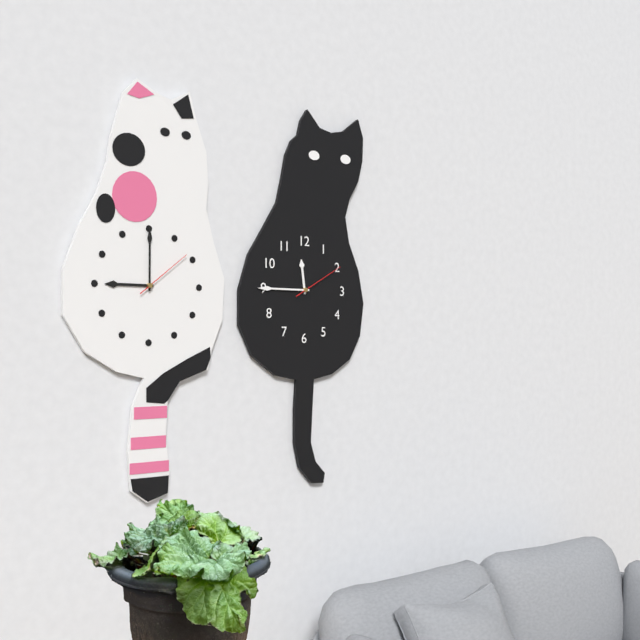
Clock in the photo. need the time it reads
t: 11:45:10
